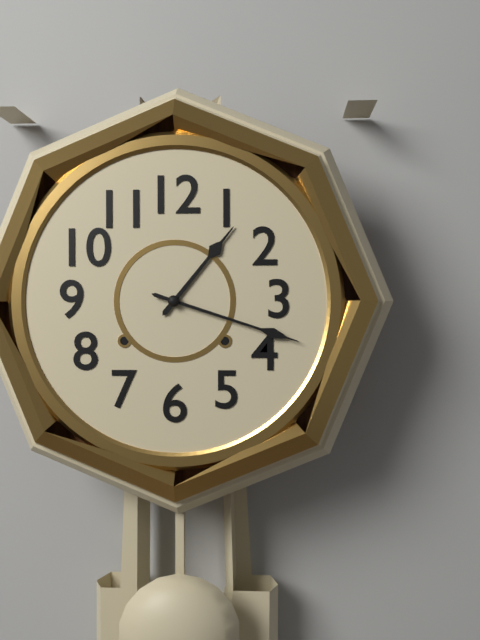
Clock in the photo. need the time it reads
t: 1:18
